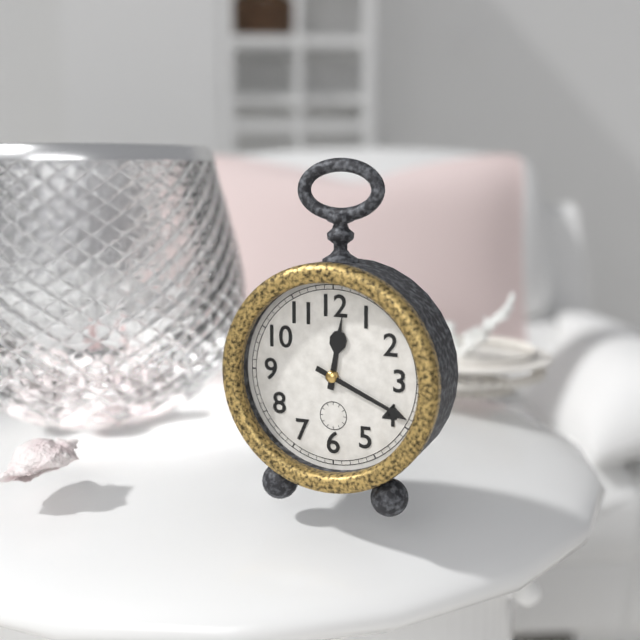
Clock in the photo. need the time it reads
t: 12:19
